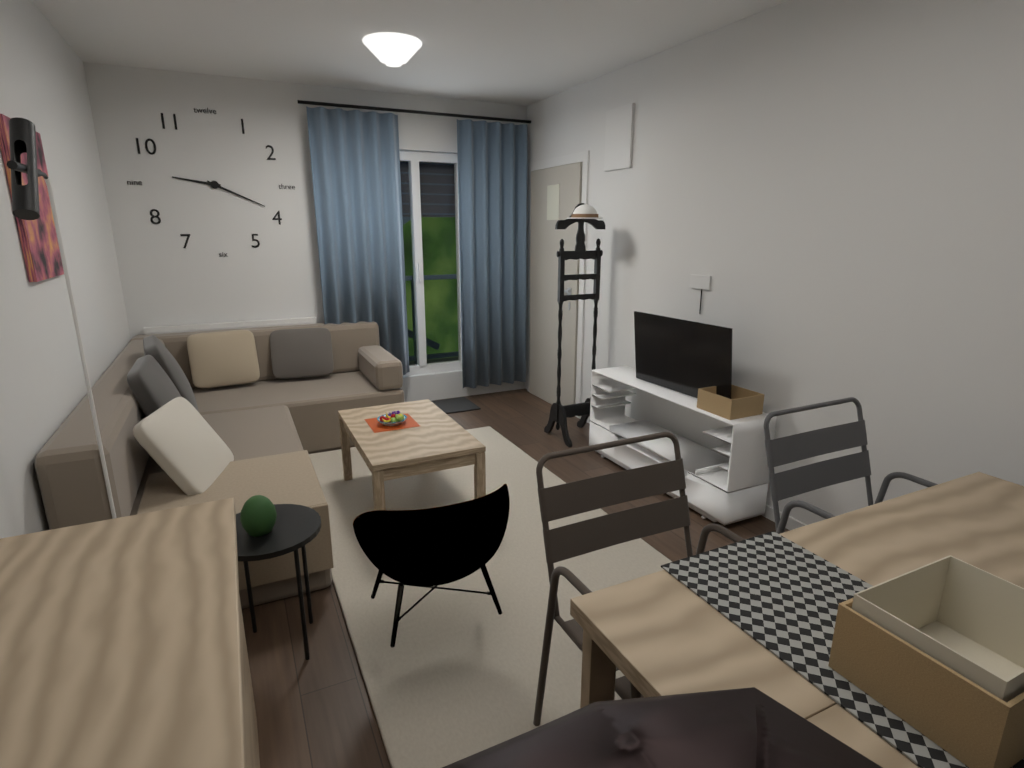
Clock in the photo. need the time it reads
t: 9:19
